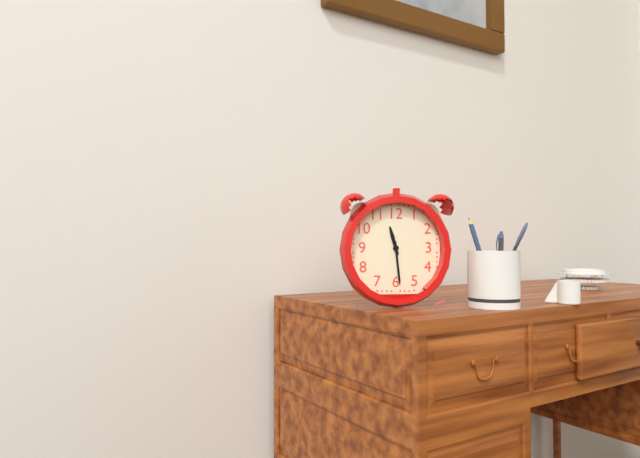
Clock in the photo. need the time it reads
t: 11:29
